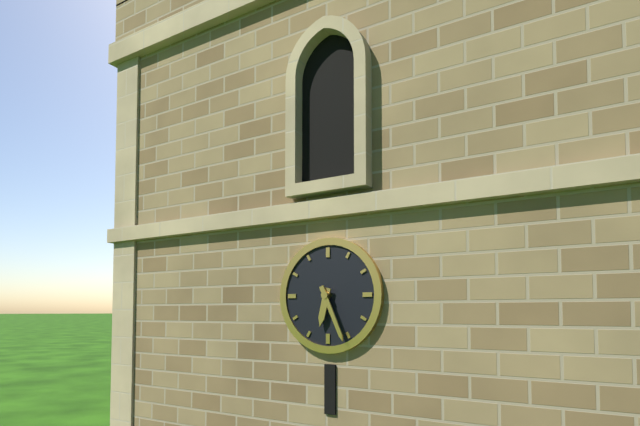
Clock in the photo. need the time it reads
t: 6:26
